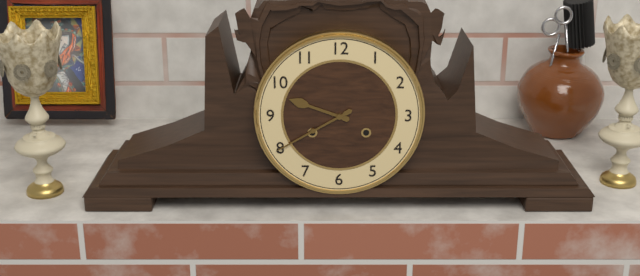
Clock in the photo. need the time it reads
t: 9:40
